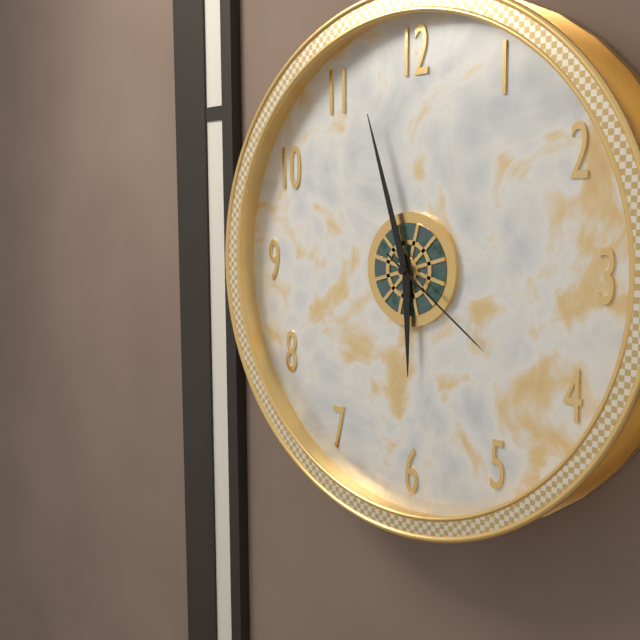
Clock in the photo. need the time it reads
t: 5:57:21
